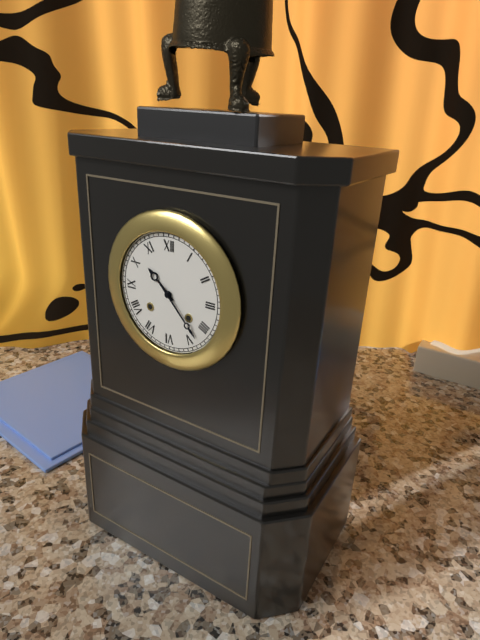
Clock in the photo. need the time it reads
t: 10:23
